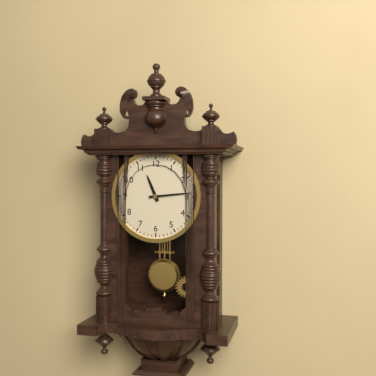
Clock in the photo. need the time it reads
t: 11:14
